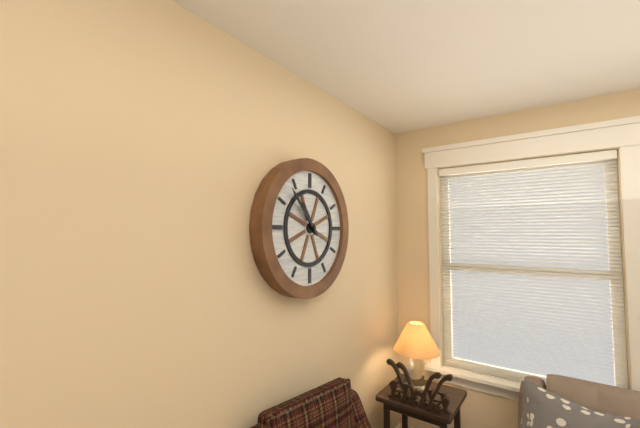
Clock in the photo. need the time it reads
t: 10:53
